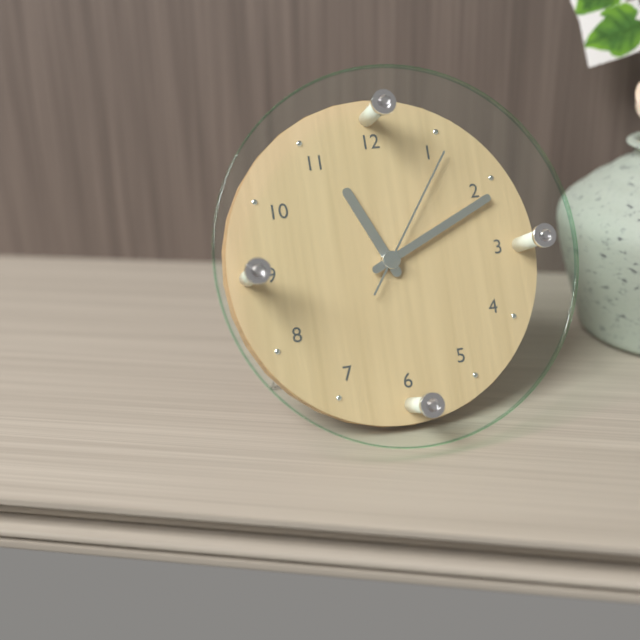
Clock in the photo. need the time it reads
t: 11:11:06
